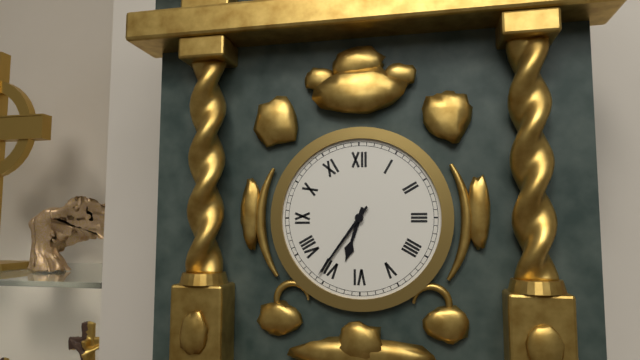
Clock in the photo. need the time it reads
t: 6:36
